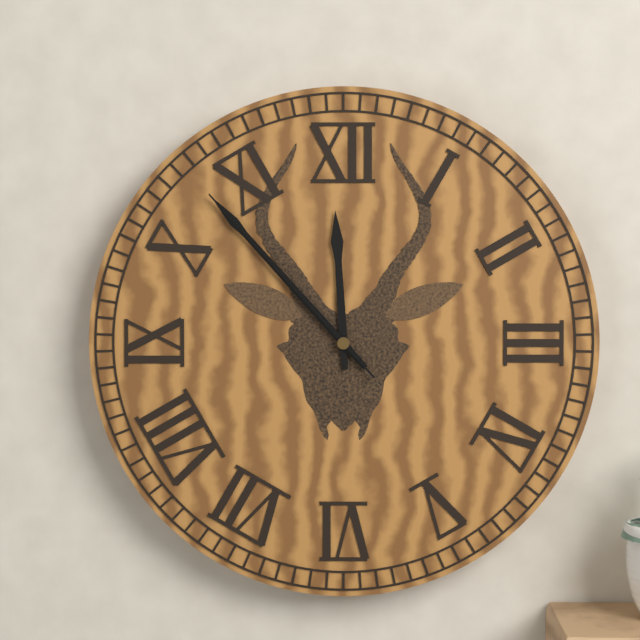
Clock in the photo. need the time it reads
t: 11:53:53
